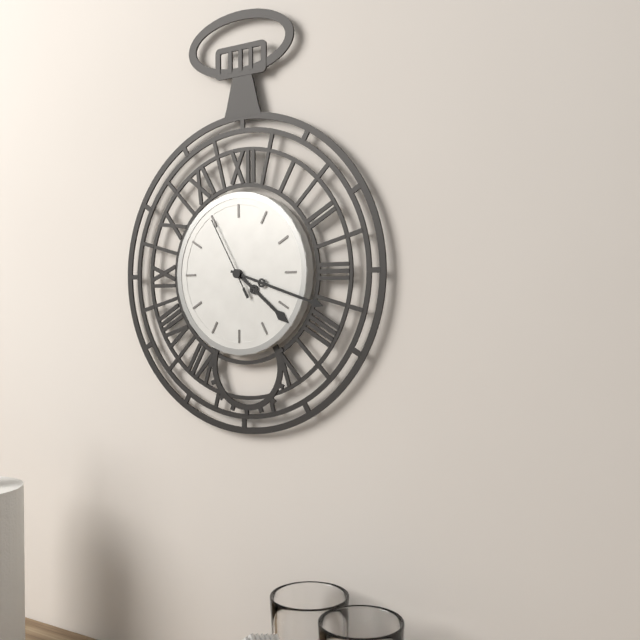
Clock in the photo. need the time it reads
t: 4:18:55
